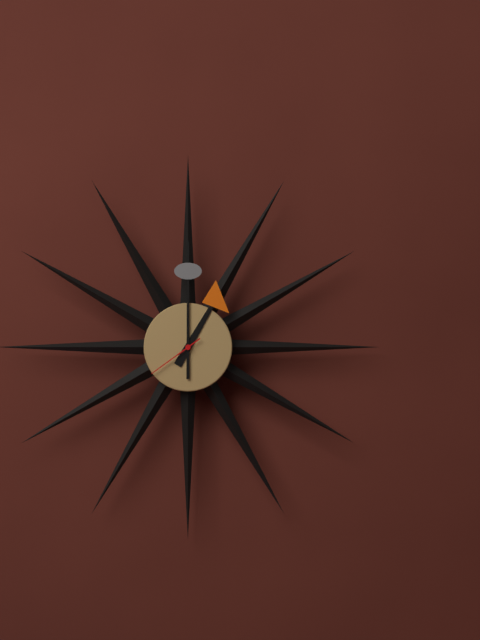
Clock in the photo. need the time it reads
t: 1:00:39
